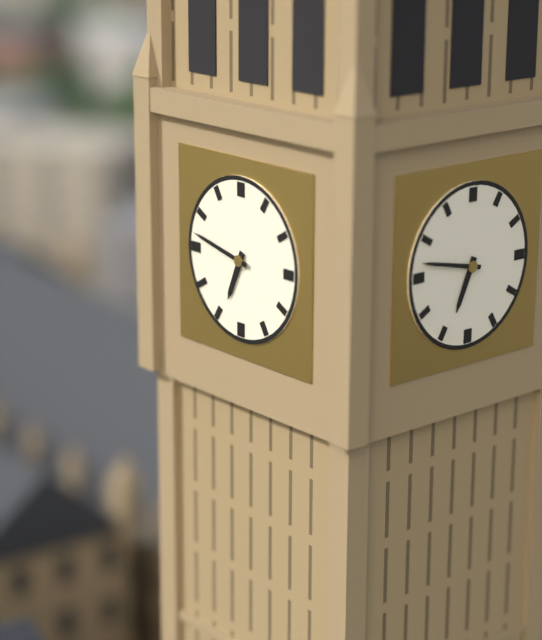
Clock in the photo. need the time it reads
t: 6:47
